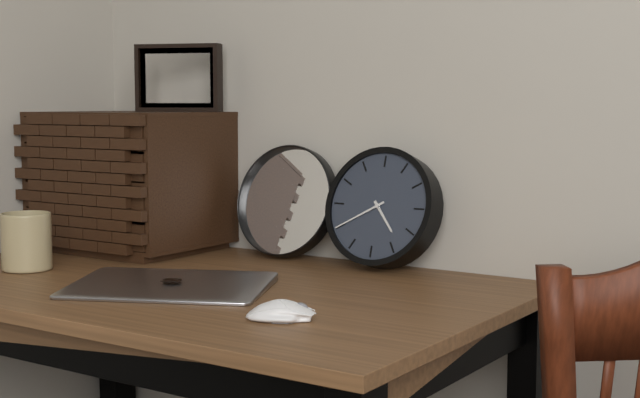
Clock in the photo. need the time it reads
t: 4:40
